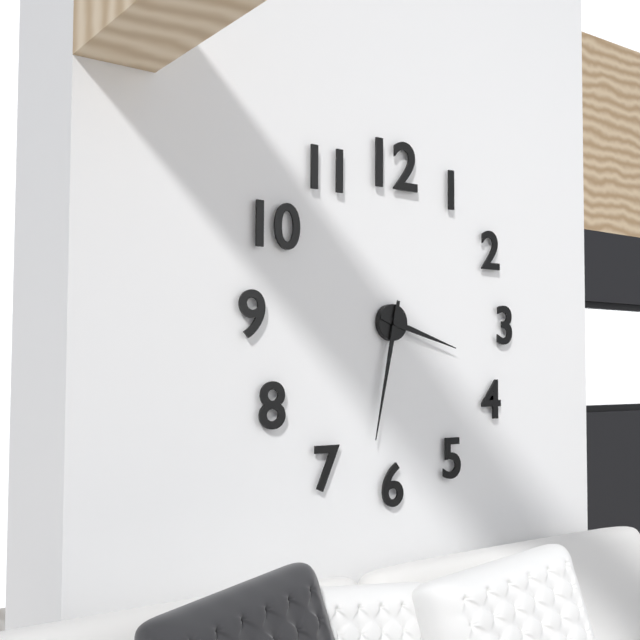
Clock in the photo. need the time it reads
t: 3:32
